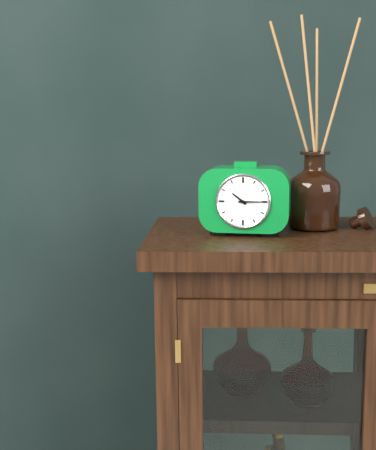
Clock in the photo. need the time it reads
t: 10:15
